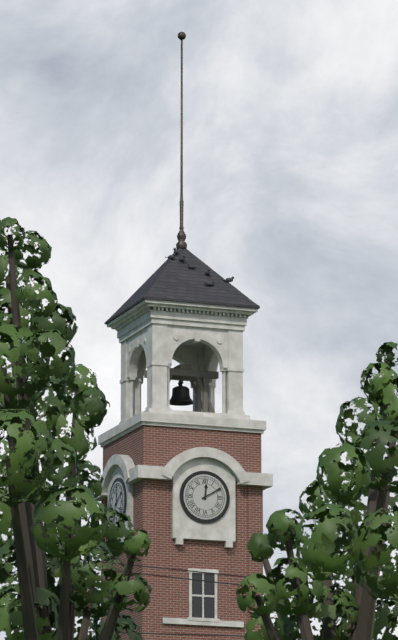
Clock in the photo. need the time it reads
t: 12:10
